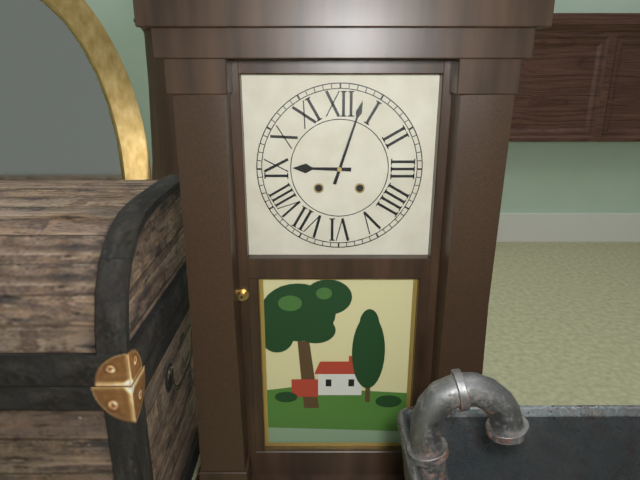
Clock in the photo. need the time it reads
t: 9:03
